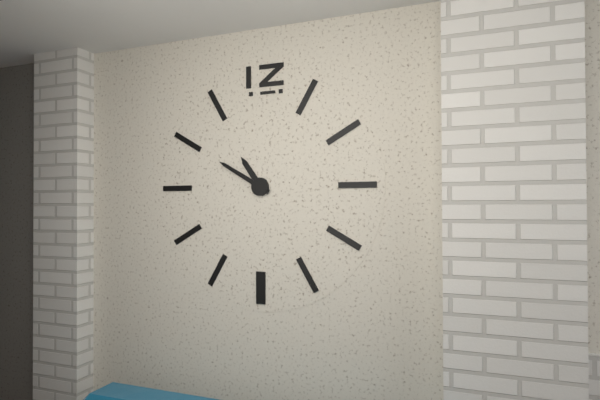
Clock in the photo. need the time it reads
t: 10:50
